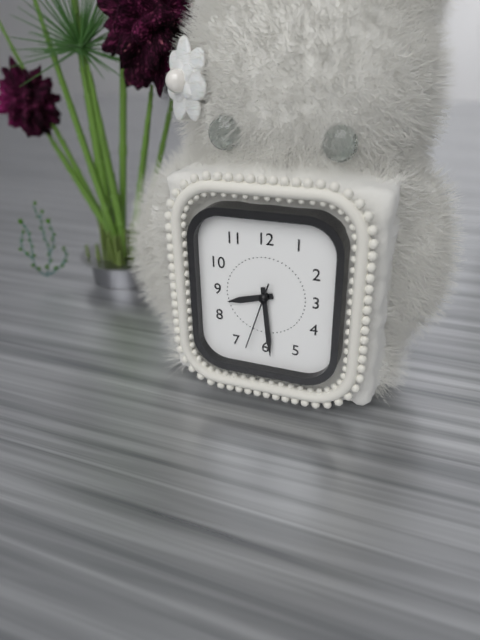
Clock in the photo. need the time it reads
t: 8:29:33
